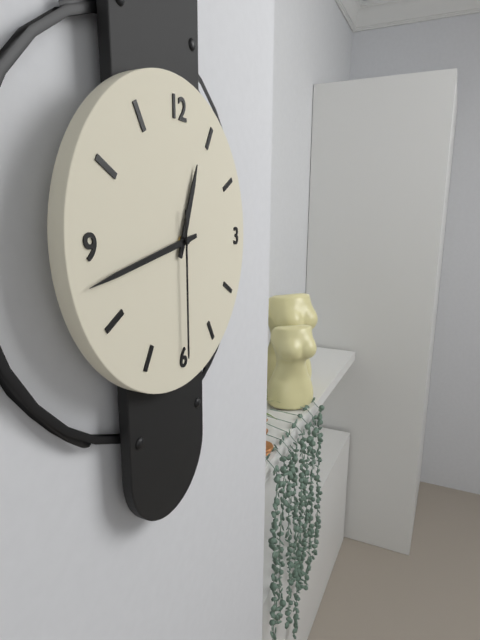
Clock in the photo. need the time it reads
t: 12:43:30
